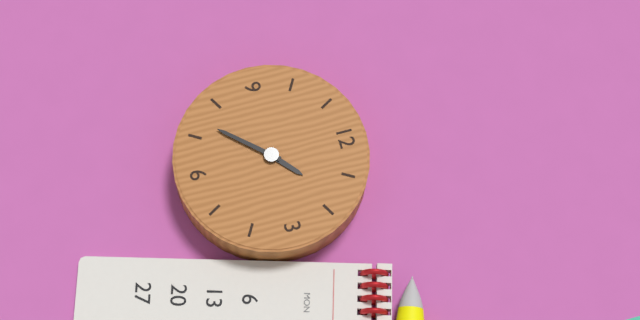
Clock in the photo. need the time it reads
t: 1:37
